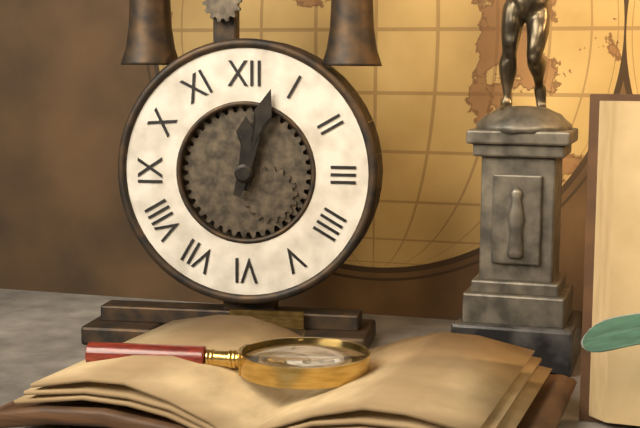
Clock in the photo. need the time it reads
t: 12:03
